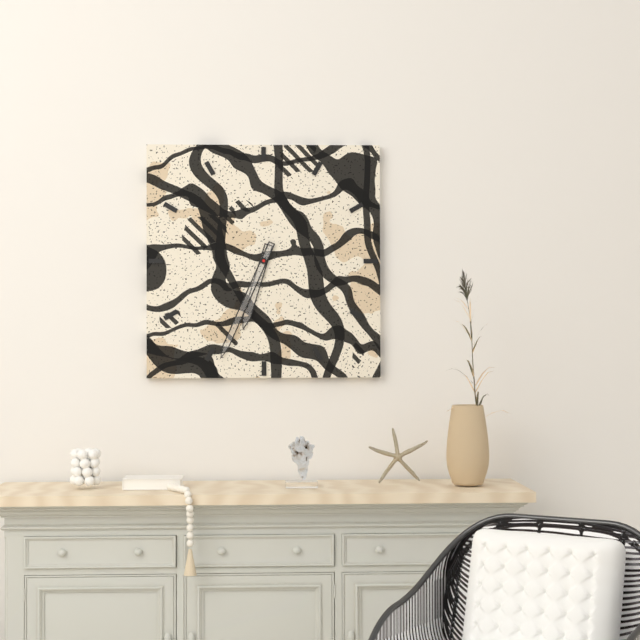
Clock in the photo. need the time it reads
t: 6:34
